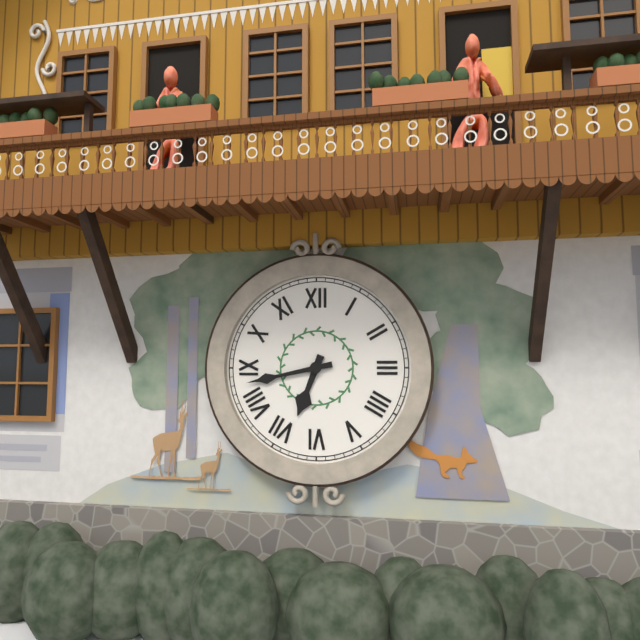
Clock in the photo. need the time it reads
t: 6:43
